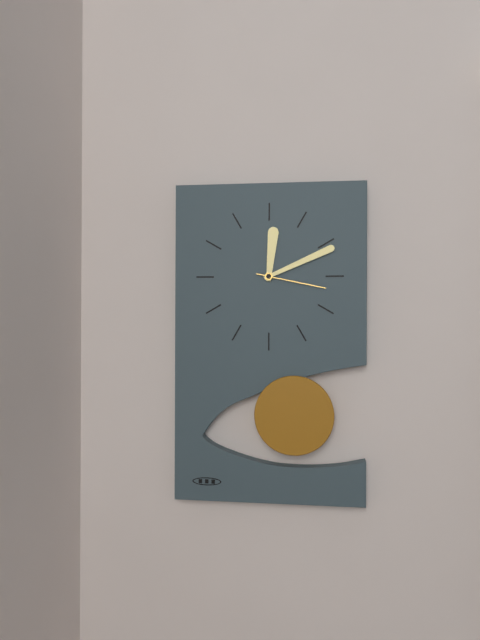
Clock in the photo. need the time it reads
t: 12:11:17
